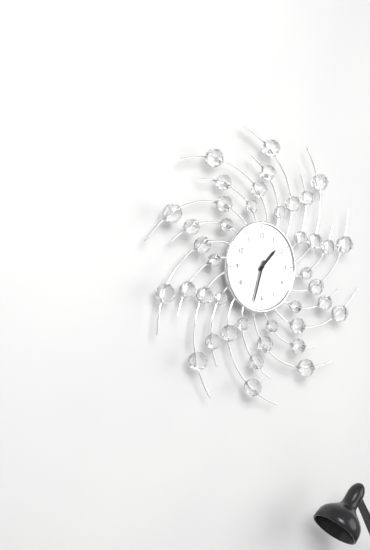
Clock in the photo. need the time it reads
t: 1:33
